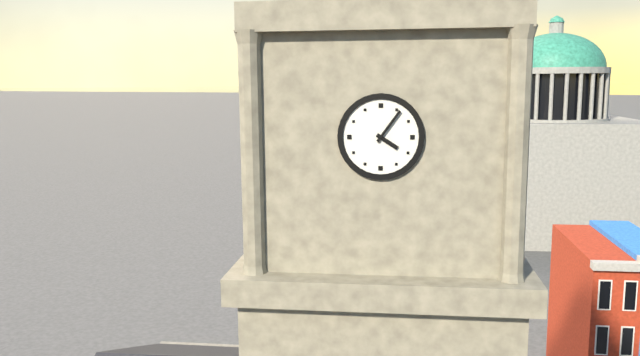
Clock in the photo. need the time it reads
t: 4:06
